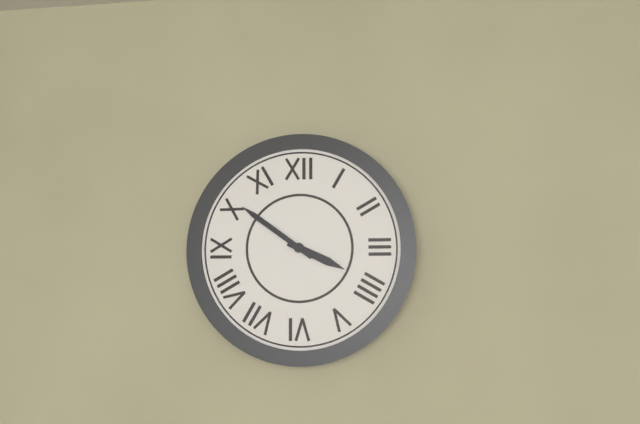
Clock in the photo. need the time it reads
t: 3:51
